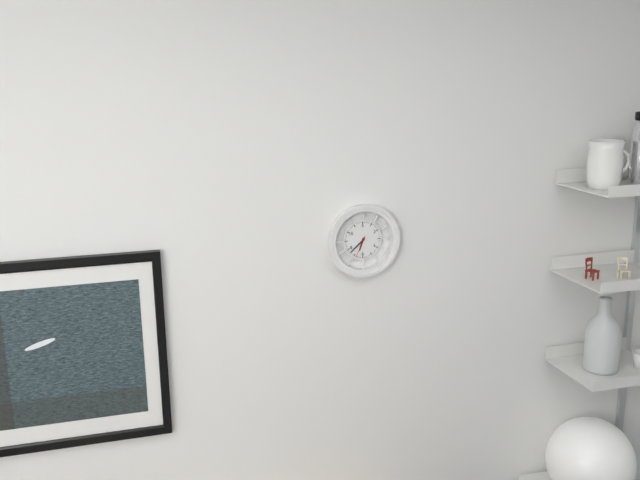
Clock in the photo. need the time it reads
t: 6:38
